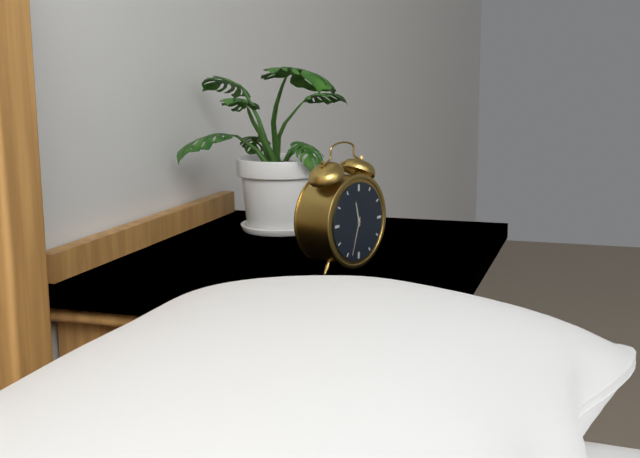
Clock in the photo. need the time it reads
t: 11:33
